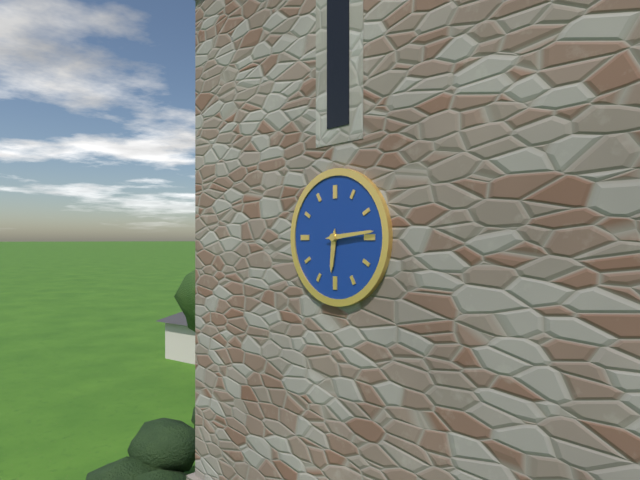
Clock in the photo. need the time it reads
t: 6:14
